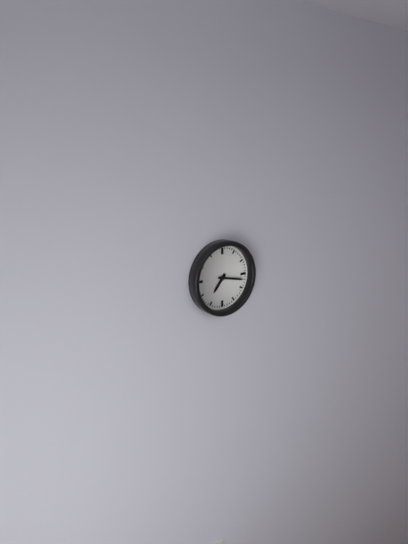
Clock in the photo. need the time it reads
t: 7:17
